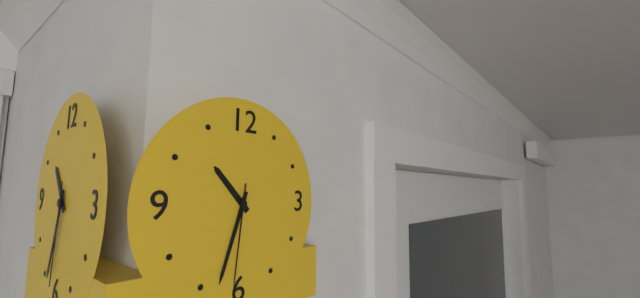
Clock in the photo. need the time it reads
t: 10:33:31
